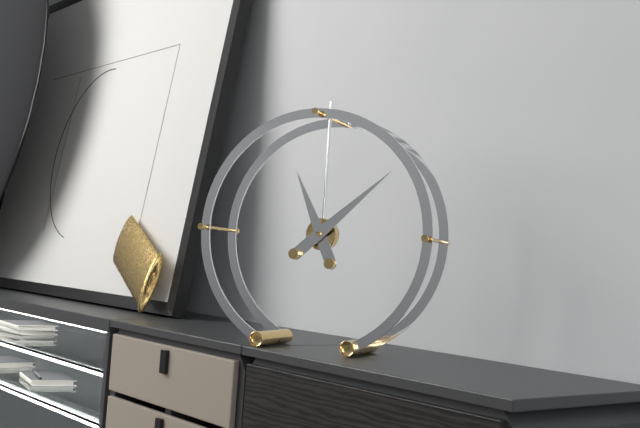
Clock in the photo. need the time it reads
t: 11:08
